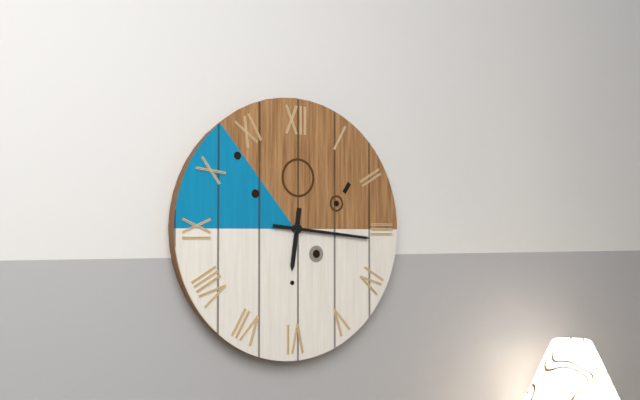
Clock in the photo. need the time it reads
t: 6:16
